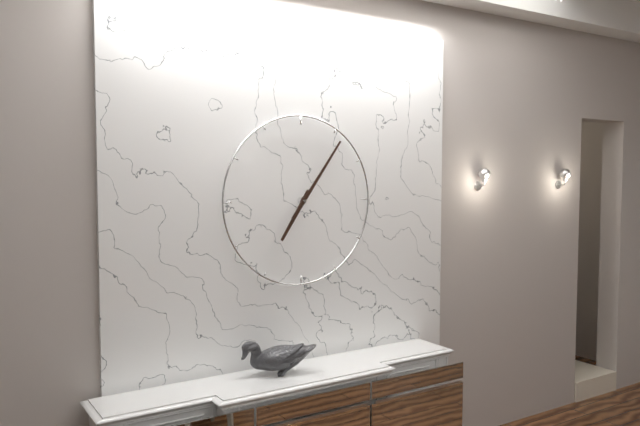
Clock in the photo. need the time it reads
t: 7:06
